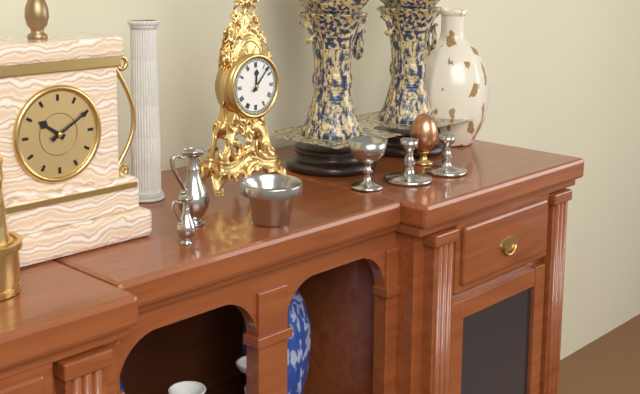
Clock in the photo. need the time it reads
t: 12:07
